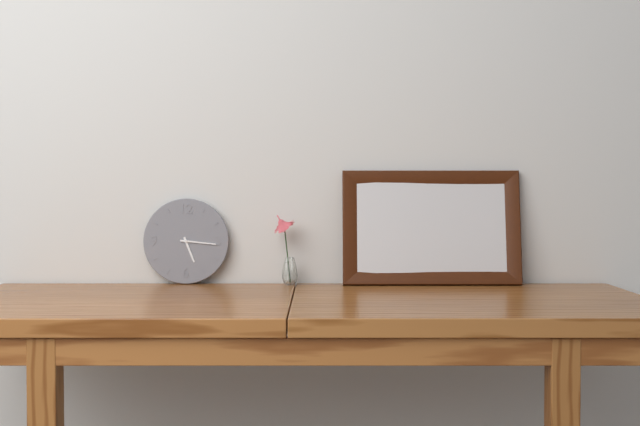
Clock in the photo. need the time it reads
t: 5:16
